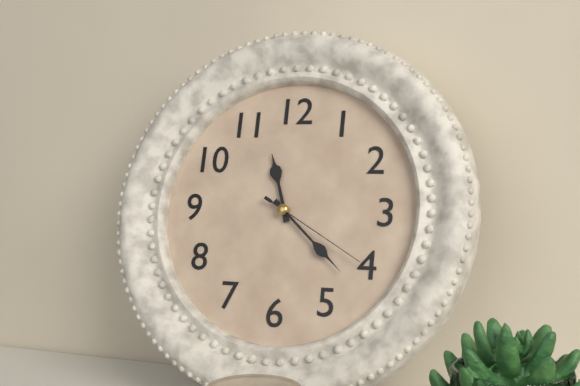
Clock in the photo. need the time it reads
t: 11:22:20
